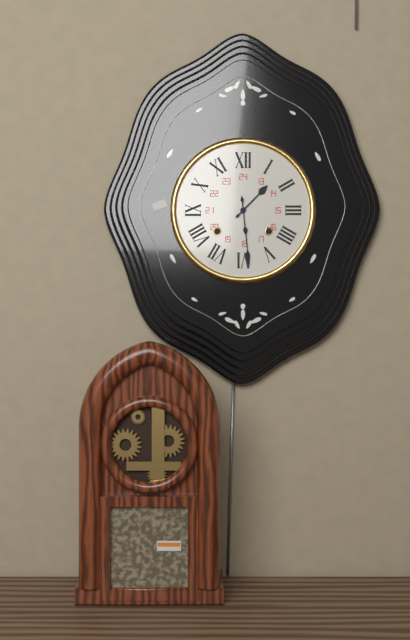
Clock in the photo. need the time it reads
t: 1:29
